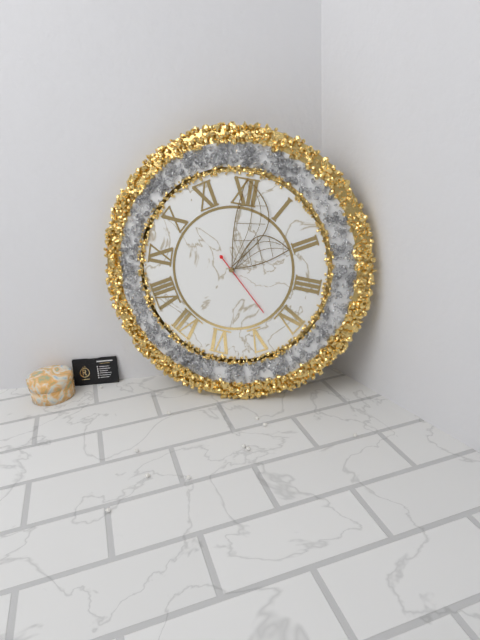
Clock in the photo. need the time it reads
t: 2:00:22
